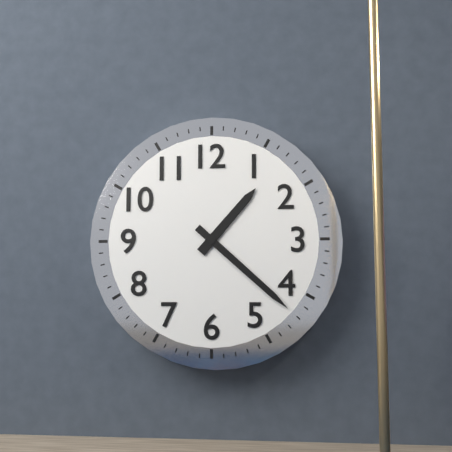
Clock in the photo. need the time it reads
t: 1:22
